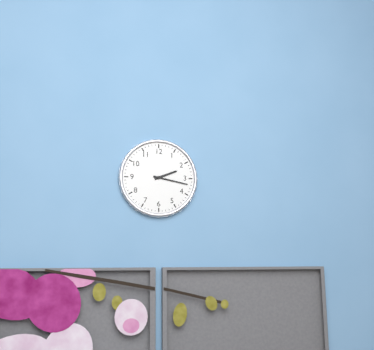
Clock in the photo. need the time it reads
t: 2:17
